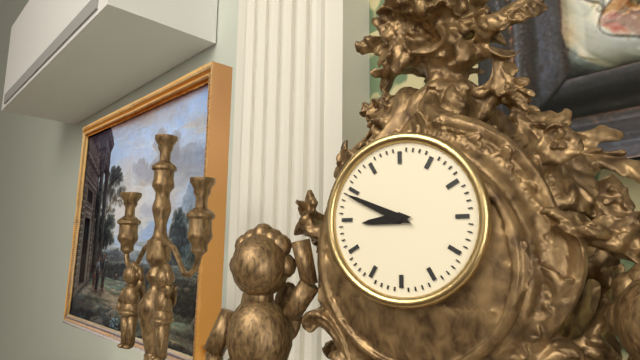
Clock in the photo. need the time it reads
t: 8:49
